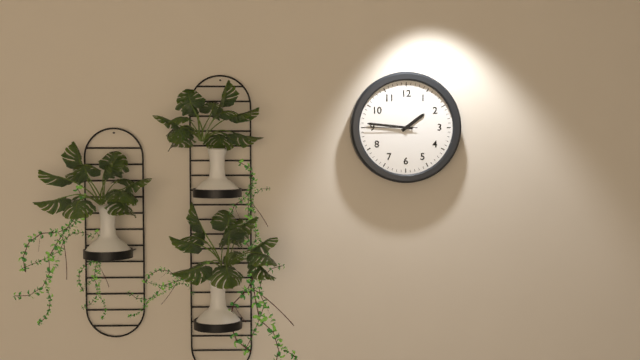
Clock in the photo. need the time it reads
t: 1:46:45
